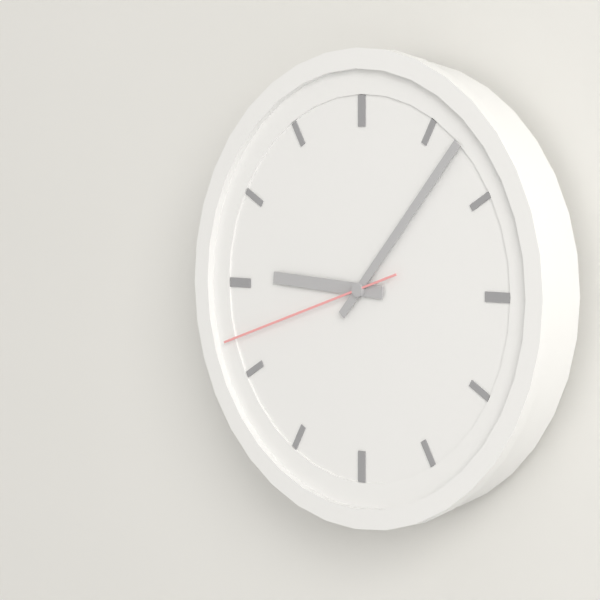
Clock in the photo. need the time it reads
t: 9:07:42
